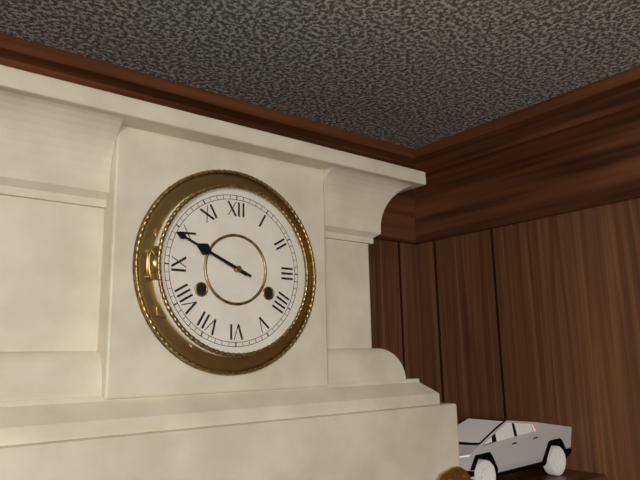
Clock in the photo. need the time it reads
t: 9:49
